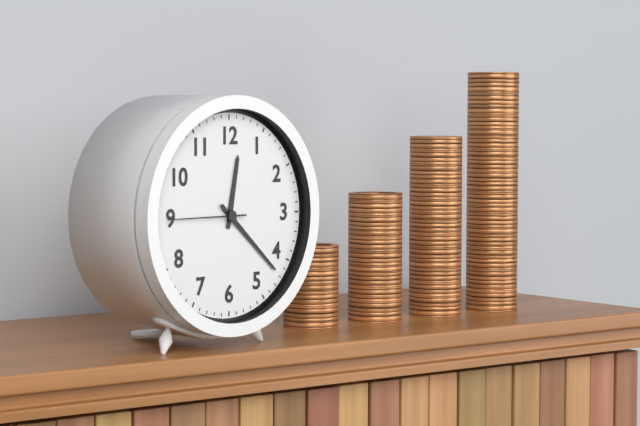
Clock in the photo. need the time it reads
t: 12:22:45
